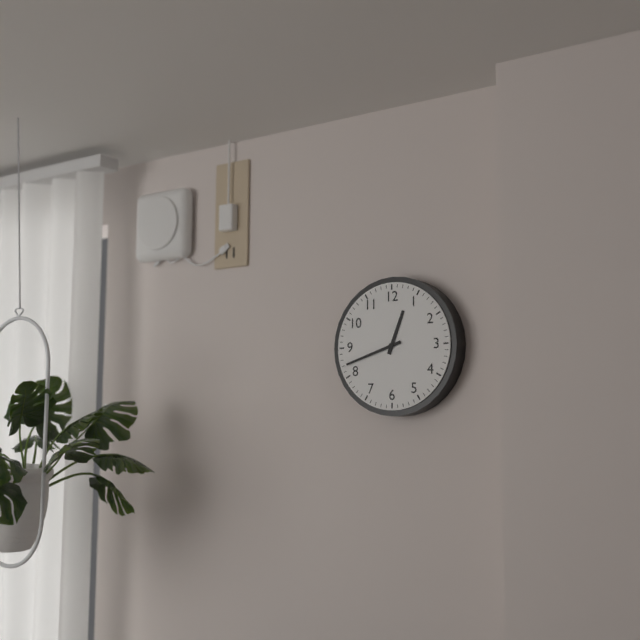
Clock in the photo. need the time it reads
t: 12:42
